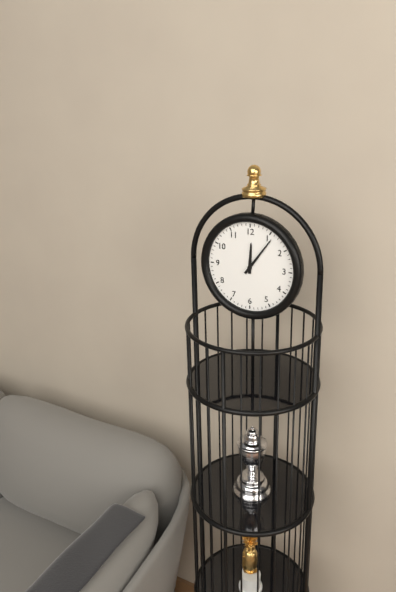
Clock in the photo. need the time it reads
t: 12:06
